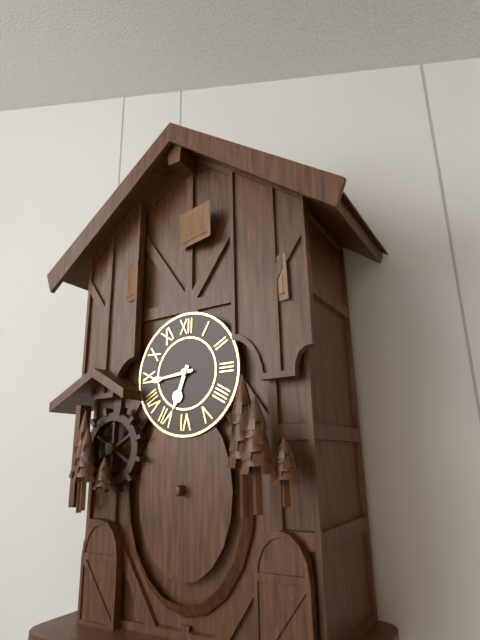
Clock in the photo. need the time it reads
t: 6:44
